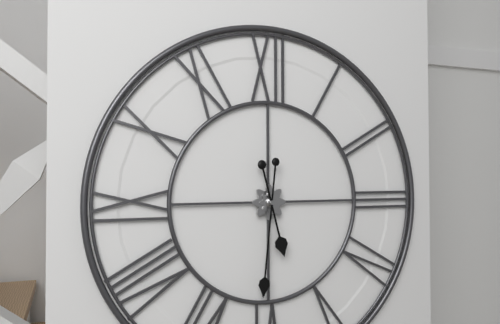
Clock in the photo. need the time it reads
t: 5:31
